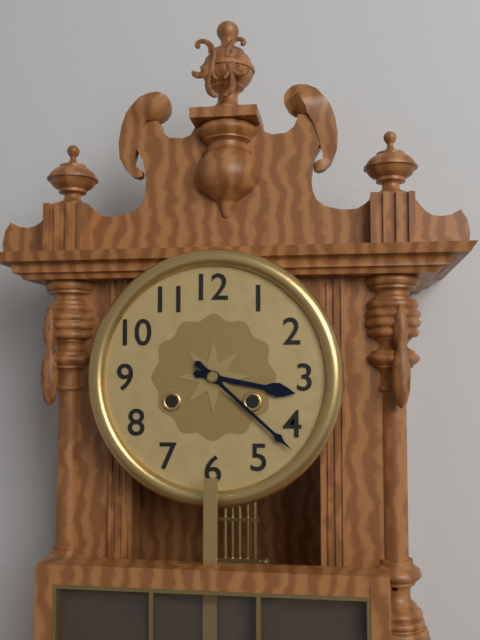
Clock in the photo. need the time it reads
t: 3:22
